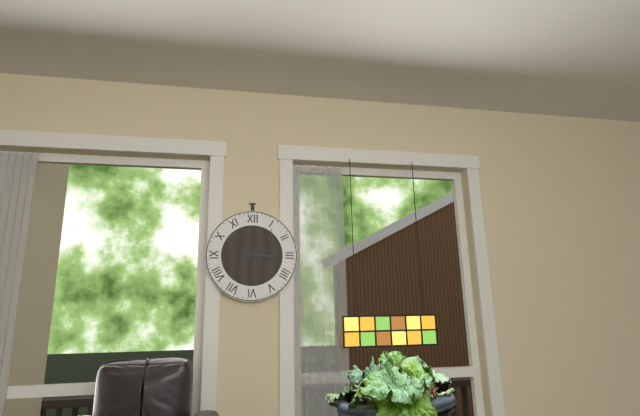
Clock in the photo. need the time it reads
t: 3:06
